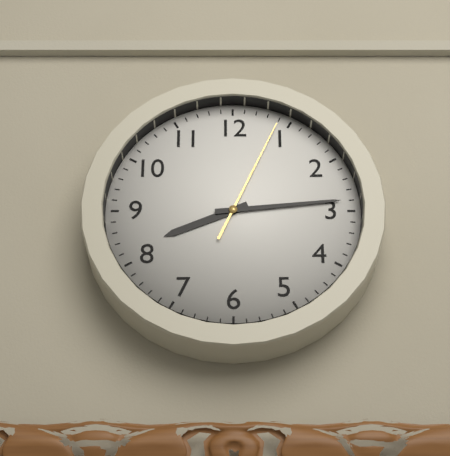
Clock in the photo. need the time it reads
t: 8:14:04
